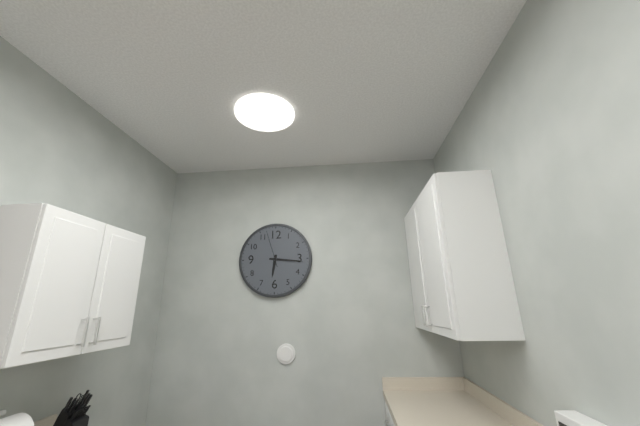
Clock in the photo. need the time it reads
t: 6:16
